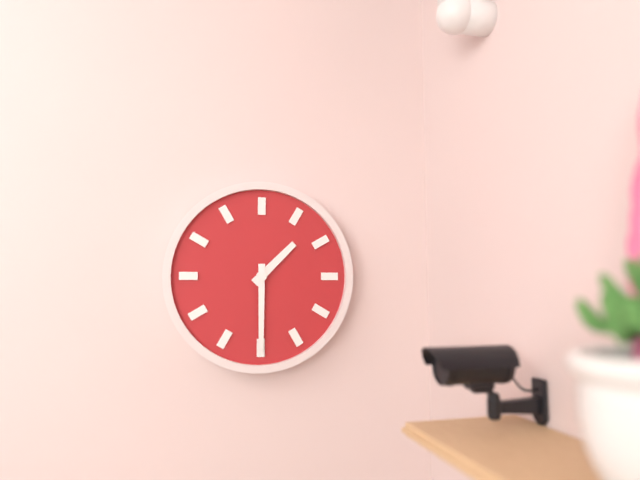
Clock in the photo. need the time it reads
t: 1:30
